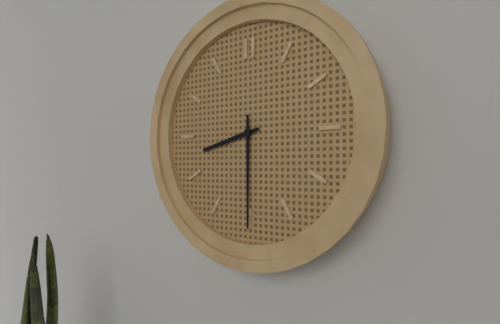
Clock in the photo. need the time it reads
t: 8:30
